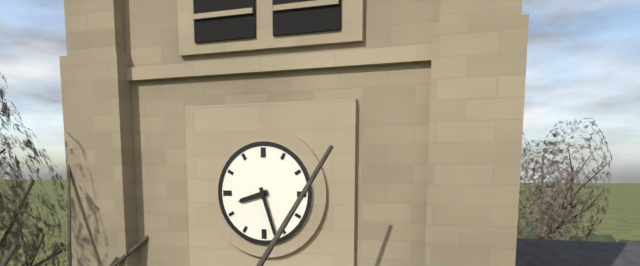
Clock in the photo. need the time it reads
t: 8:27
